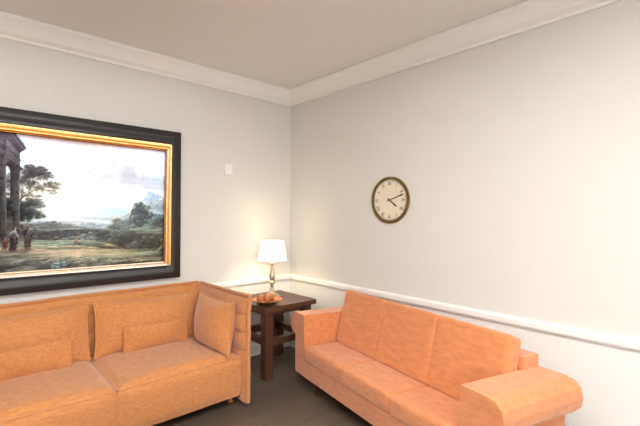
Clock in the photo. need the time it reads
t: 4:12
